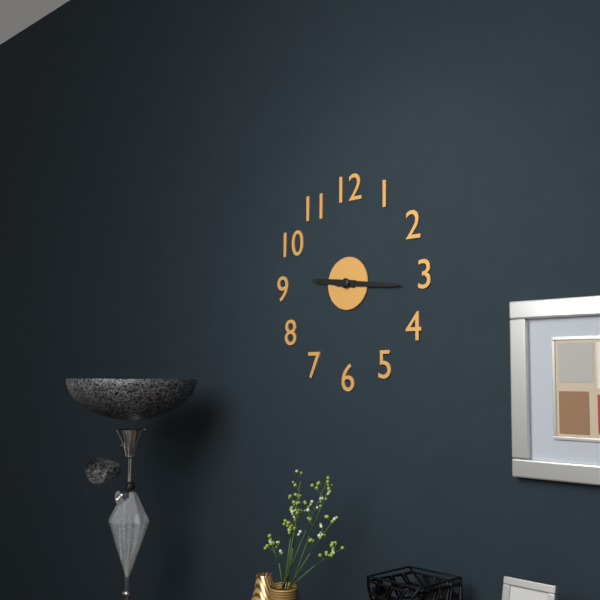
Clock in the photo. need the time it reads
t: 9:16
